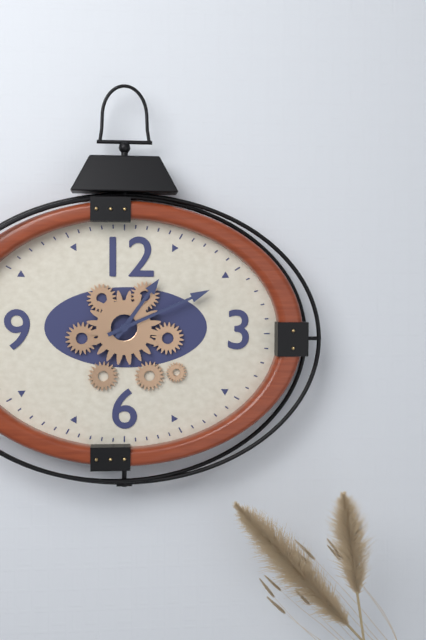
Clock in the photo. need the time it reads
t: 1:11
